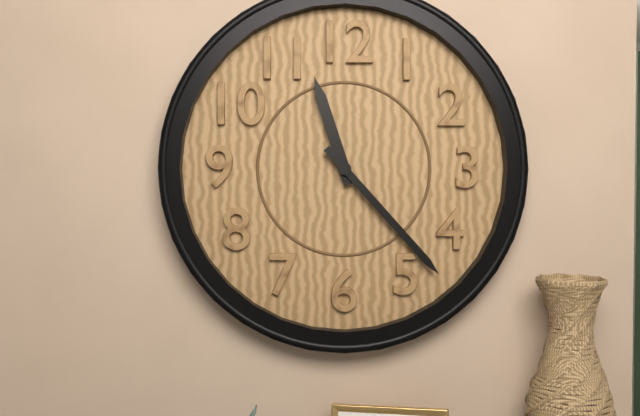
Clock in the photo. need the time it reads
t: 11:23
